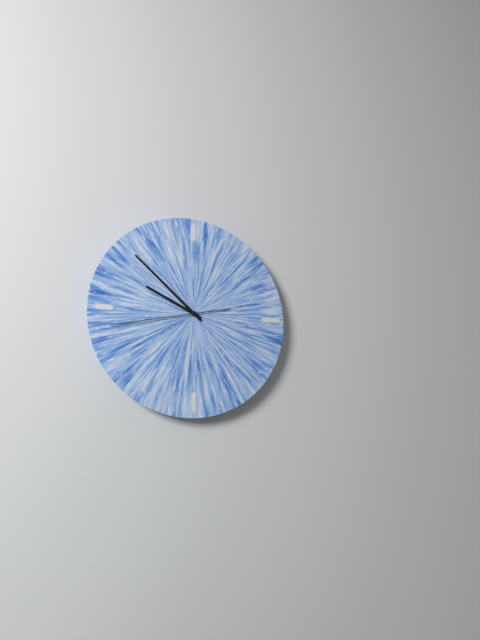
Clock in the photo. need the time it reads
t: 9:52:43
